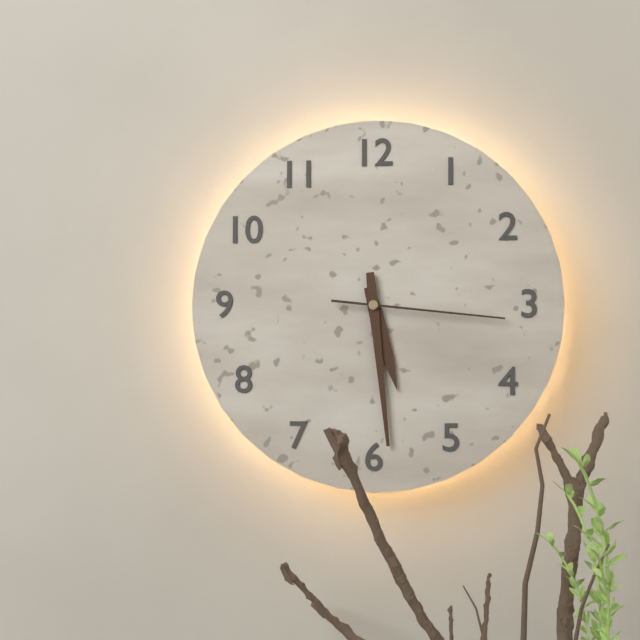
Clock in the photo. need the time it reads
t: 5:29:16
